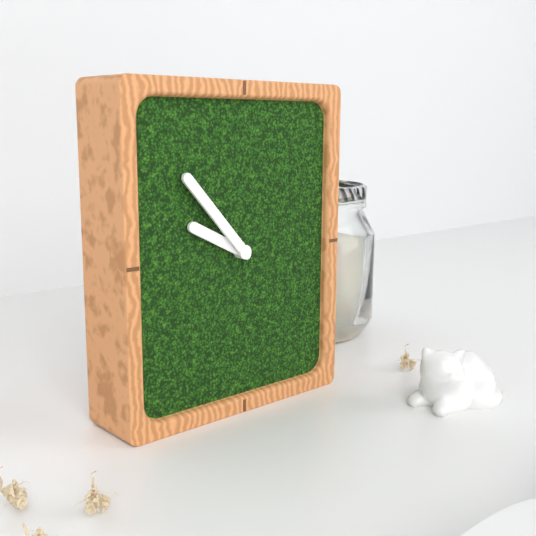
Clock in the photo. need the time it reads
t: 9:53
